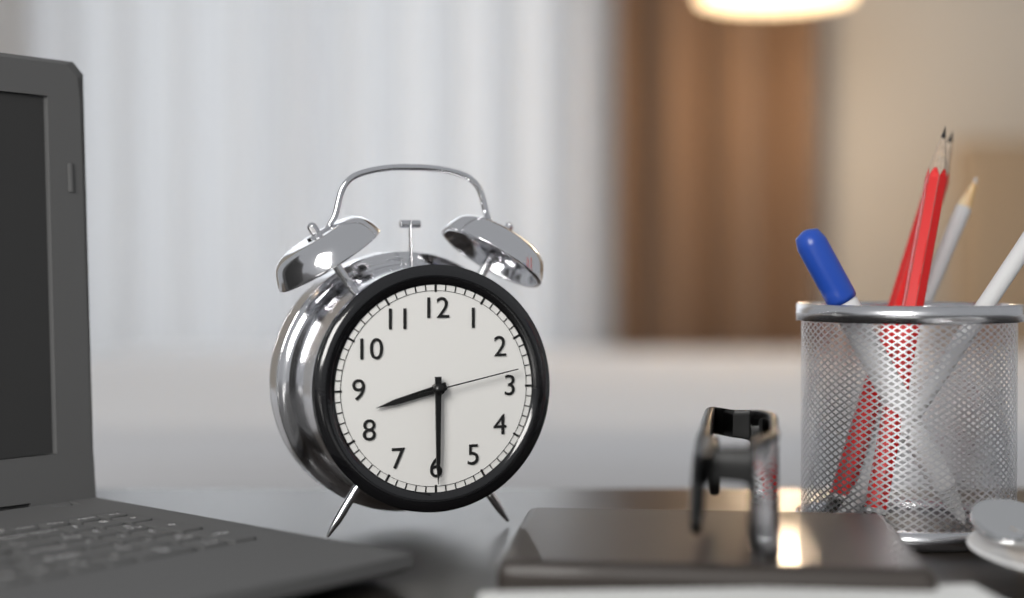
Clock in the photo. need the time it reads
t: 8:30:13
